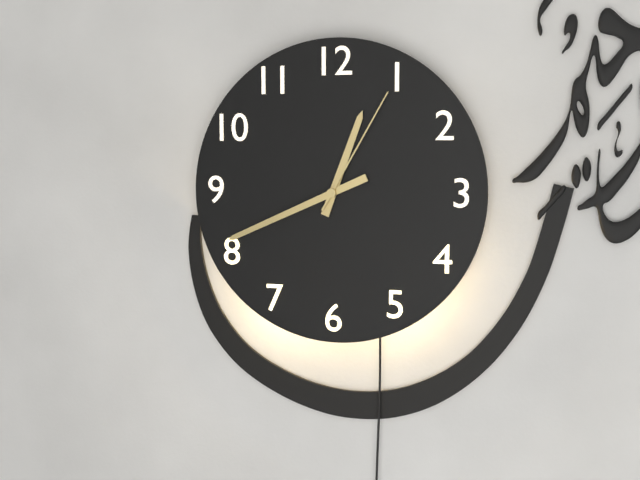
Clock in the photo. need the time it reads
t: 12:41:05
